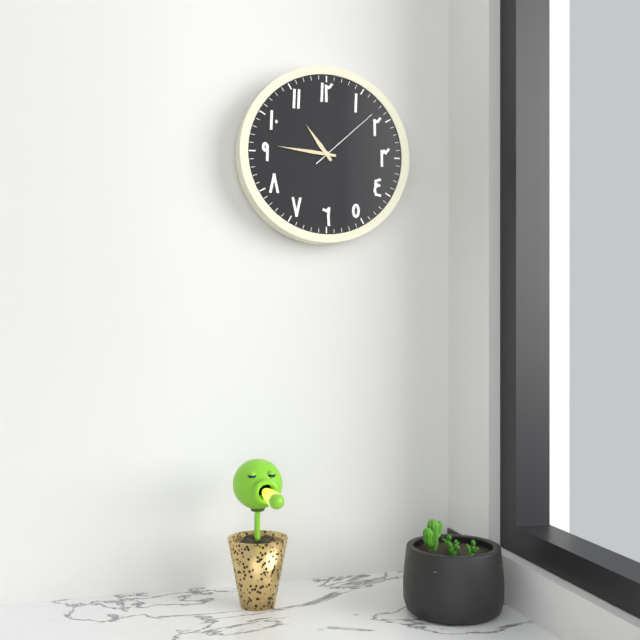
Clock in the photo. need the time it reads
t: 10:46:08
